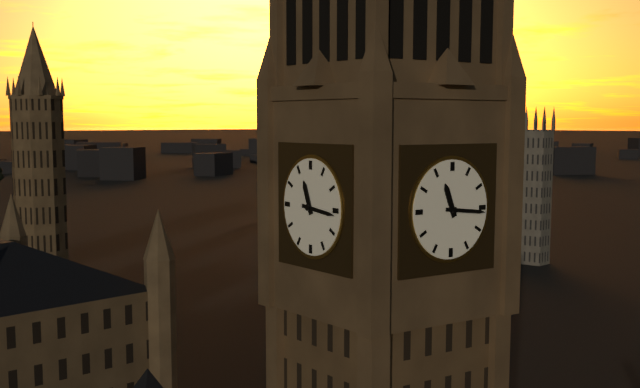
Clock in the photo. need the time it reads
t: 11:16
